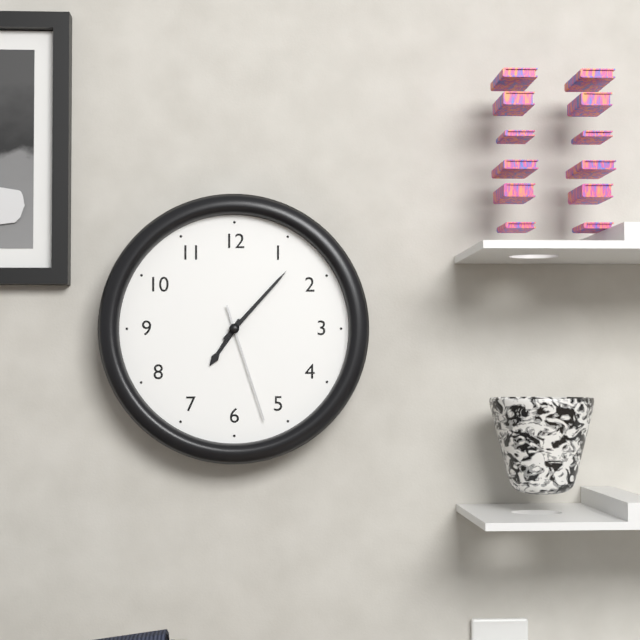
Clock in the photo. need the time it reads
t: 7:07:27
